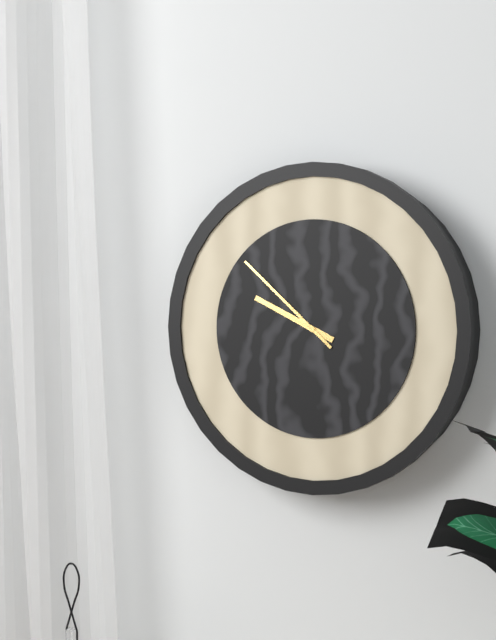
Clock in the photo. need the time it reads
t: 9:52
